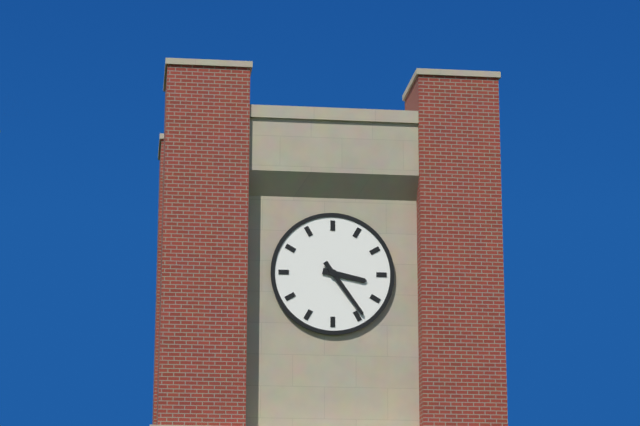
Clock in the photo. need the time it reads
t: 3:24
